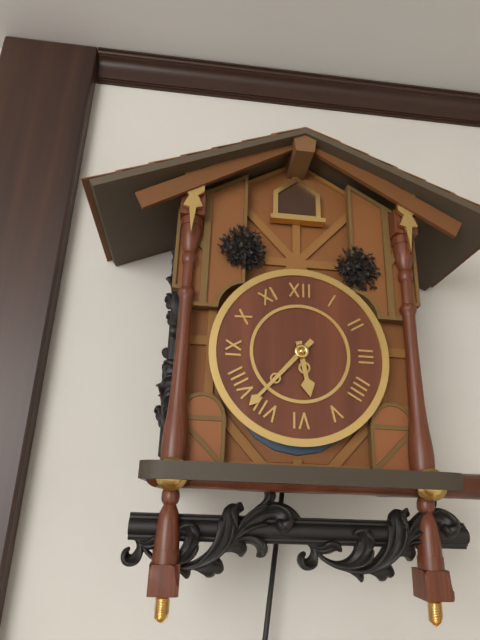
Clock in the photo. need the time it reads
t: 5:37
